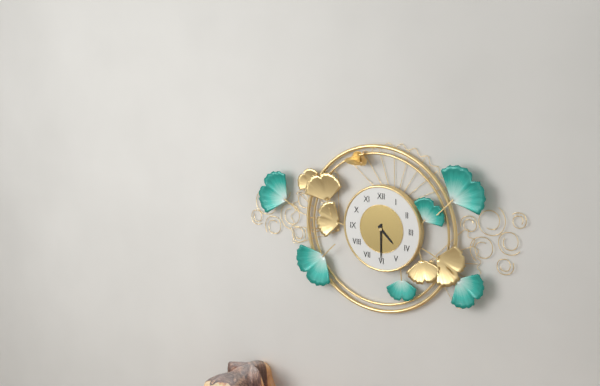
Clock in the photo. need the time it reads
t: 4:30
